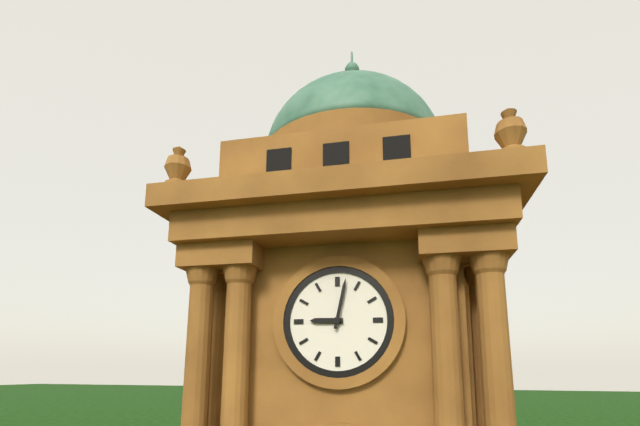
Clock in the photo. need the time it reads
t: 9:02
